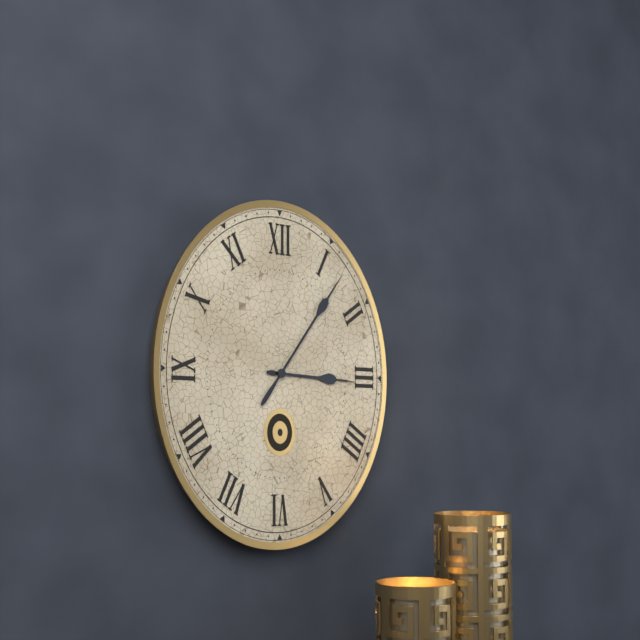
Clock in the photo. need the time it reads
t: 3:06
